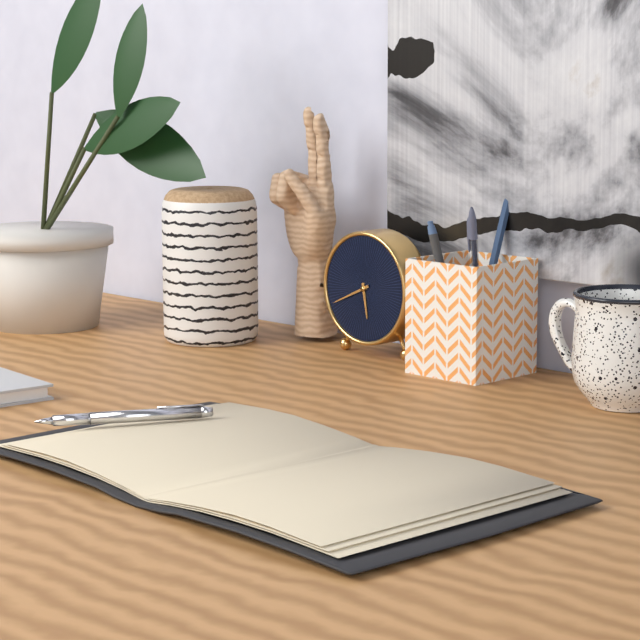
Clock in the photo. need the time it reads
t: 5:41
